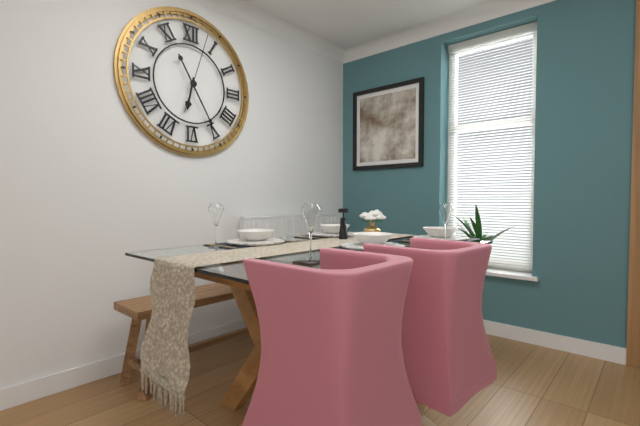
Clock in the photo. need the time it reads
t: 6:25:03
